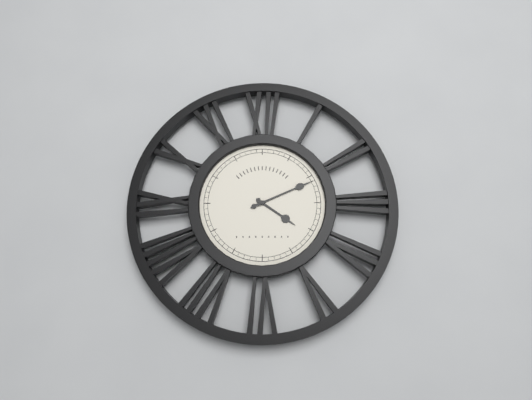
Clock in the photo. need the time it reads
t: 4:11
